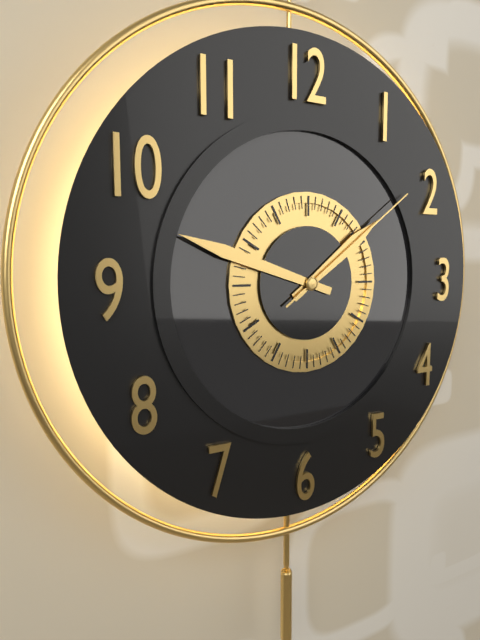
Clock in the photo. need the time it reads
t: 1:48:09
